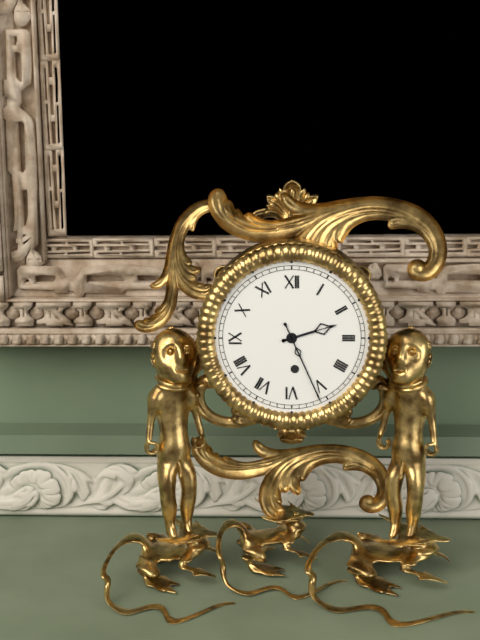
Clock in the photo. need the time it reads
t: 2:26
